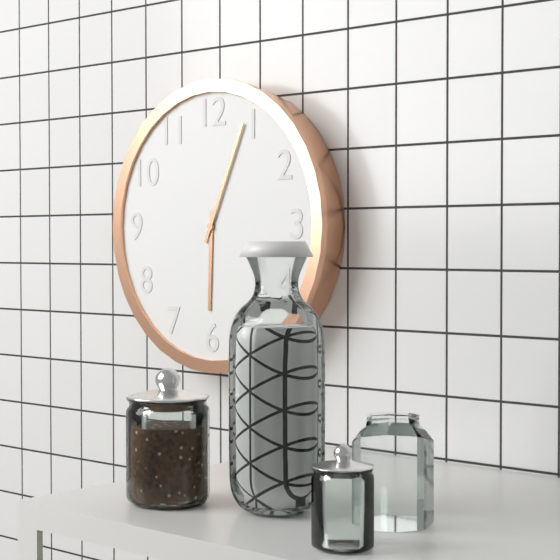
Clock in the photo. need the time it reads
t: 6:04
